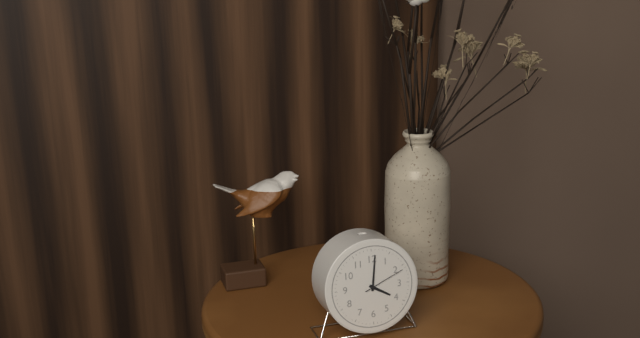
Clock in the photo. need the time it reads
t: 4:01
